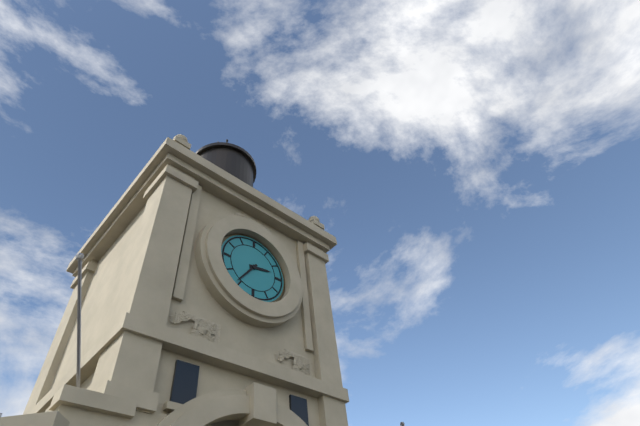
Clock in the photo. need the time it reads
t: 2:36
